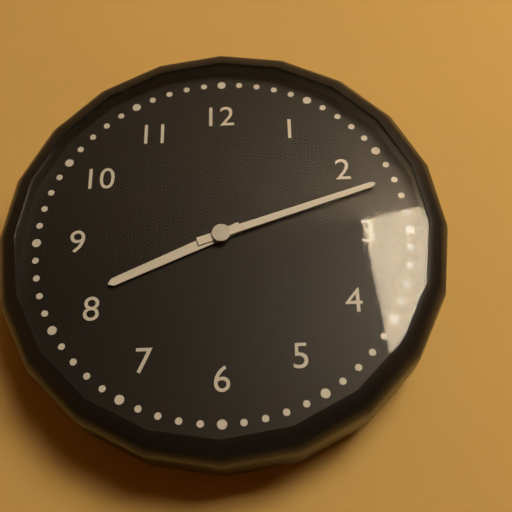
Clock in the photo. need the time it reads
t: 8:12
